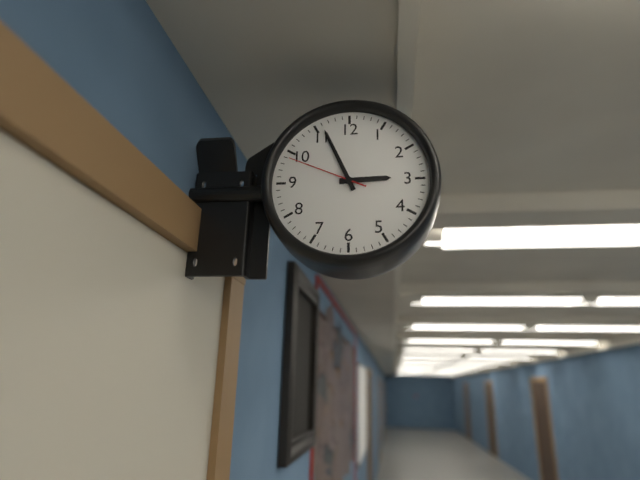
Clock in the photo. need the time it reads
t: 2:56:49
